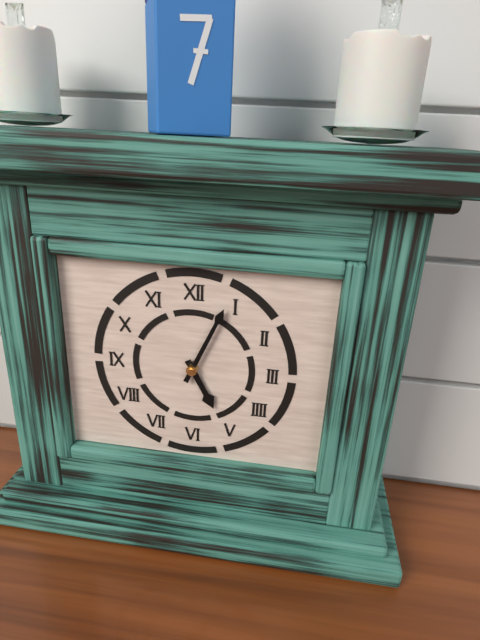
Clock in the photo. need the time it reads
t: 5:04
